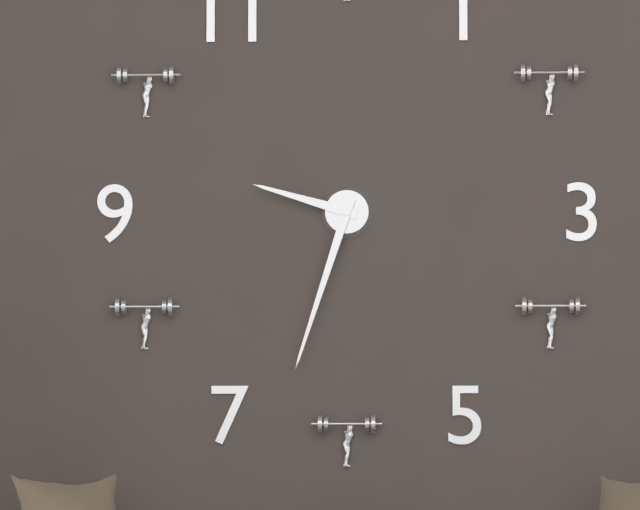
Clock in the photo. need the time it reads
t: 9:33
